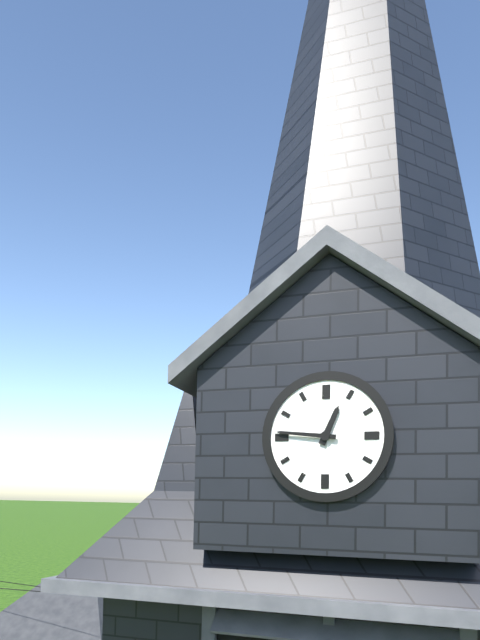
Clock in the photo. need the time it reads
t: 12:46
